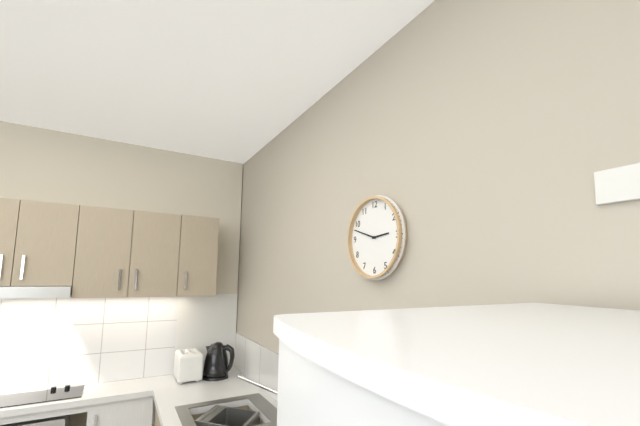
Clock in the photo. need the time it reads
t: 2:48
